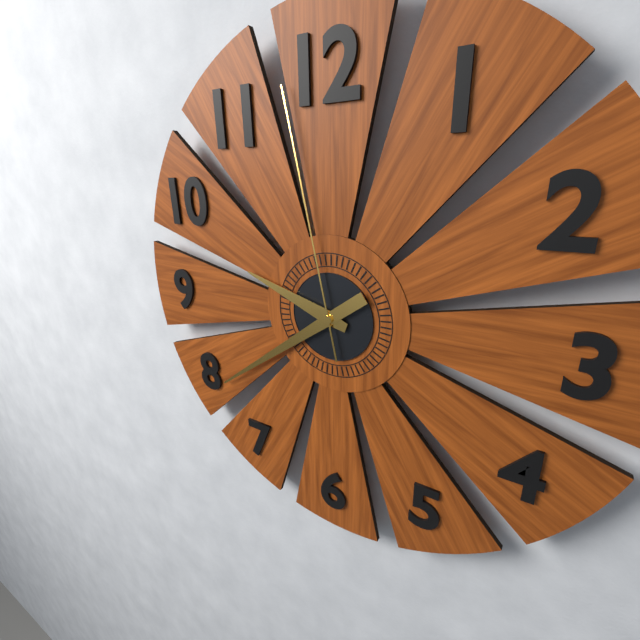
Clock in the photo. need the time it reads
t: 9:39:58
